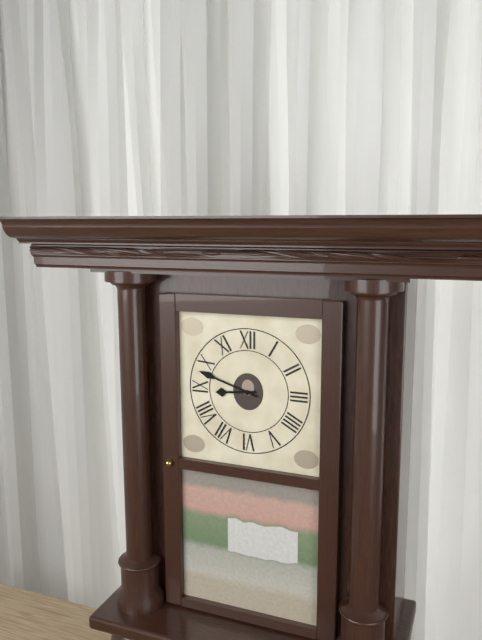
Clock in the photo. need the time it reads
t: 8:48
